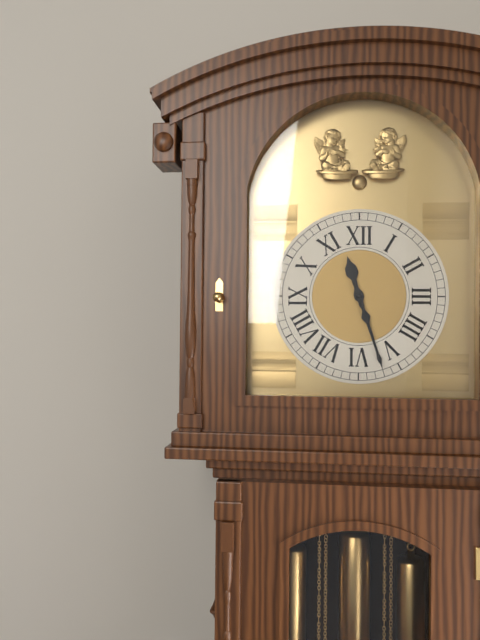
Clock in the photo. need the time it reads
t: 11:27
